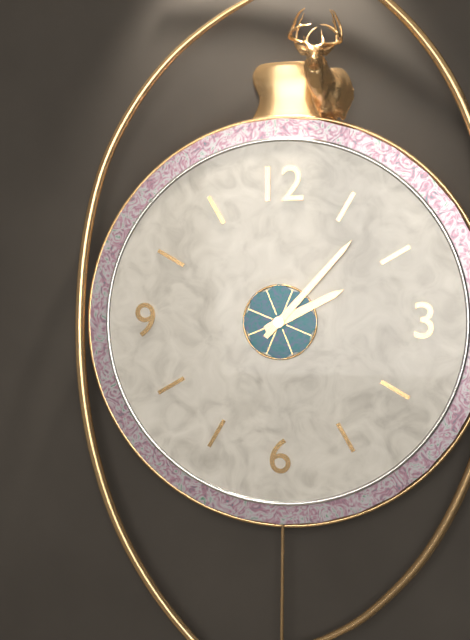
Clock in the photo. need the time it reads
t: 2:07
